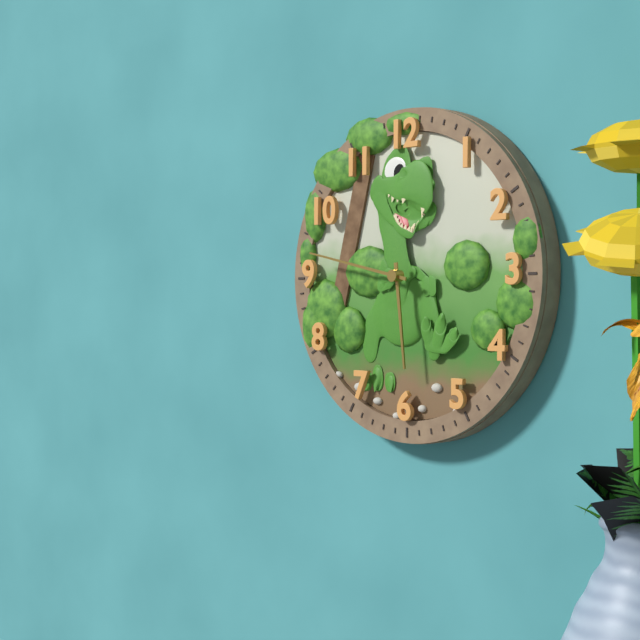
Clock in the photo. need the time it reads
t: 5:47
